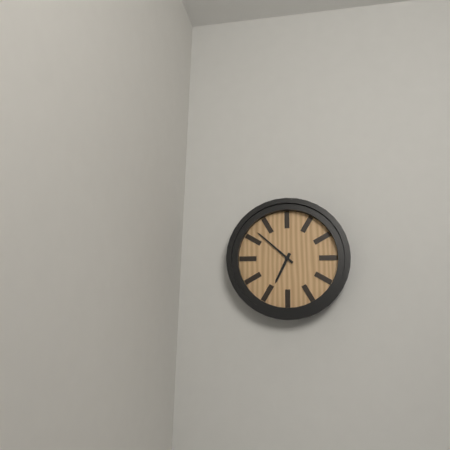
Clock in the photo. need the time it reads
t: 6:52
